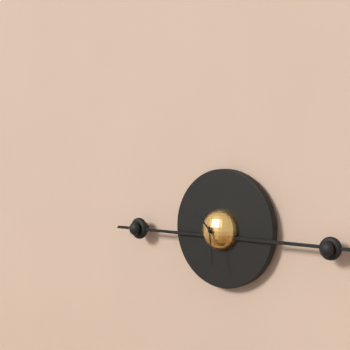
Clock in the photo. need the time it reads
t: 10:29
